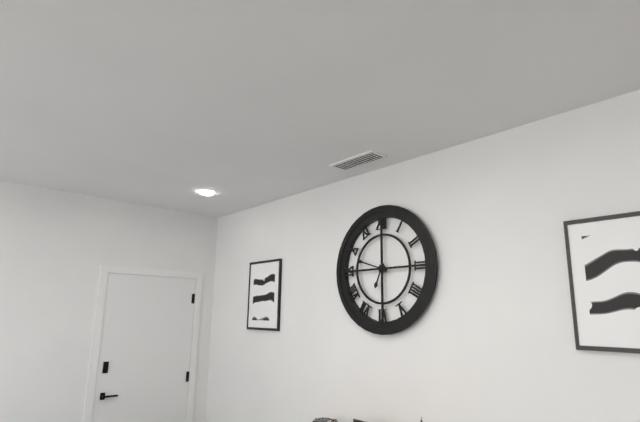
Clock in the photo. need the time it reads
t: 6:48
